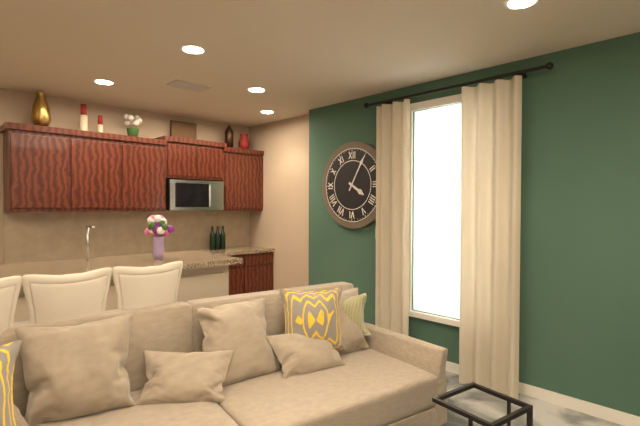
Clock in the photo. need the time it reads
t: 4:05
